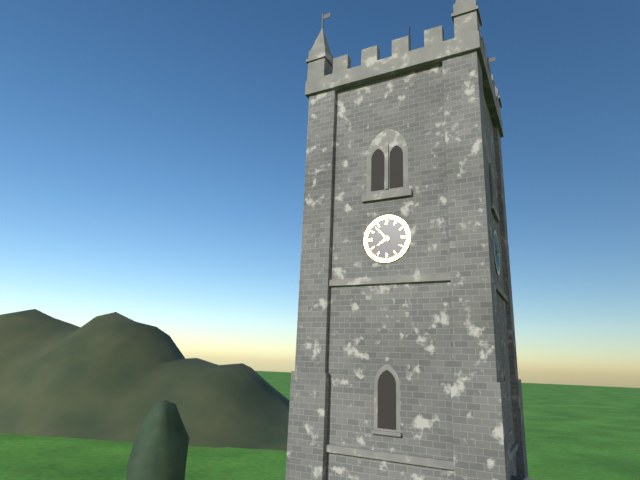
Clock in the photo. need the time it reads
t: 7:53
